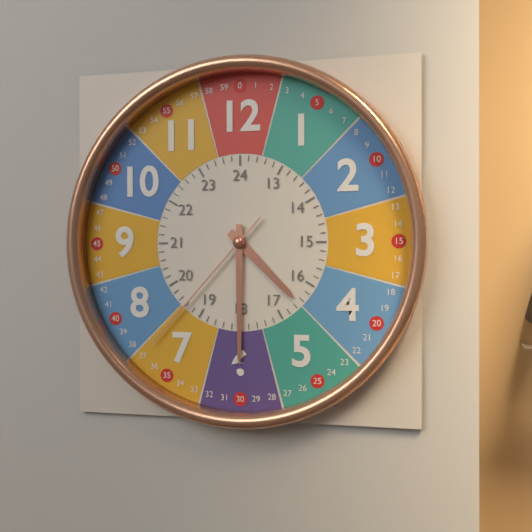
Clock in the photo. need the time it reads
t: 4:30:37
